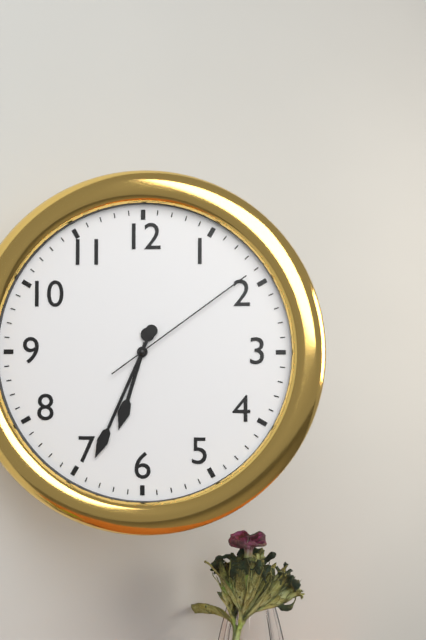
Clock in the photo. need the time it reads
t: 6:34:09
